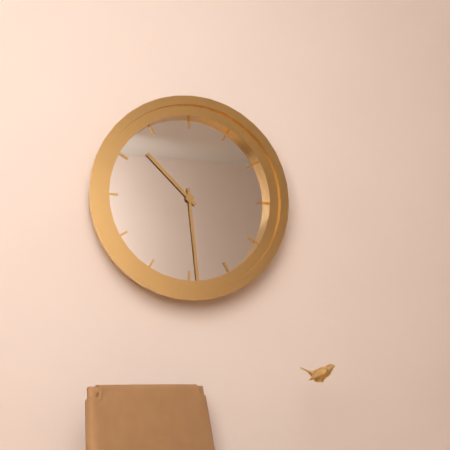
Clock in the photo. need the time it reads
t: 10:29
